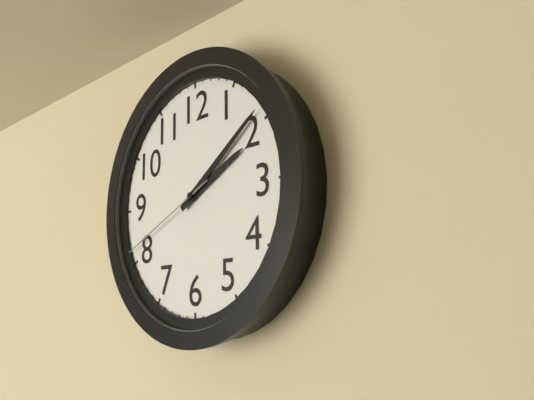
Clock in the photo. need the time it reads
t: 2:09:41
